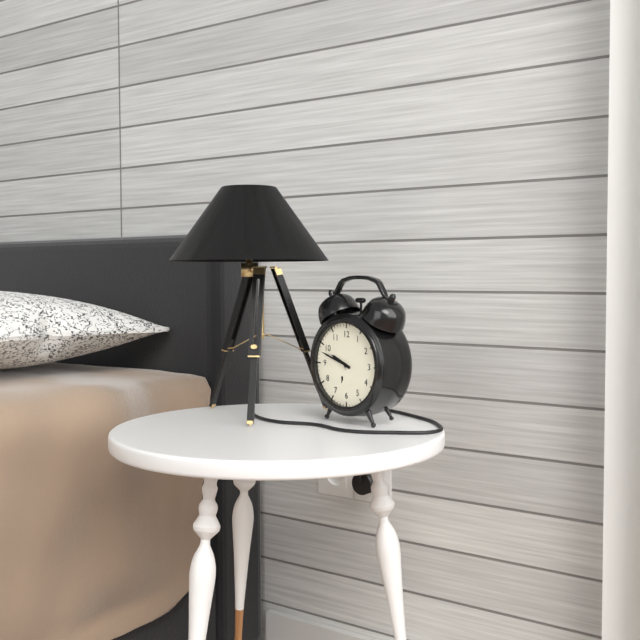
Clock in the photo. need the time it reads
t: 9:48
